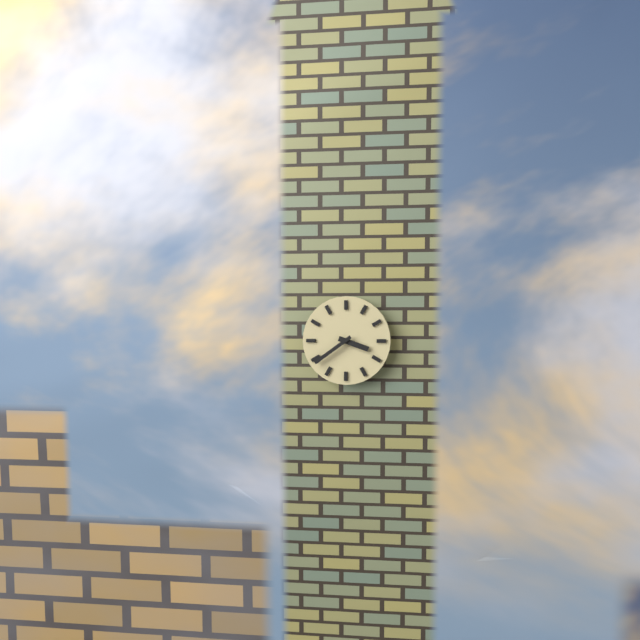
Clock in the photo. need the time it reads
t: 3:39
